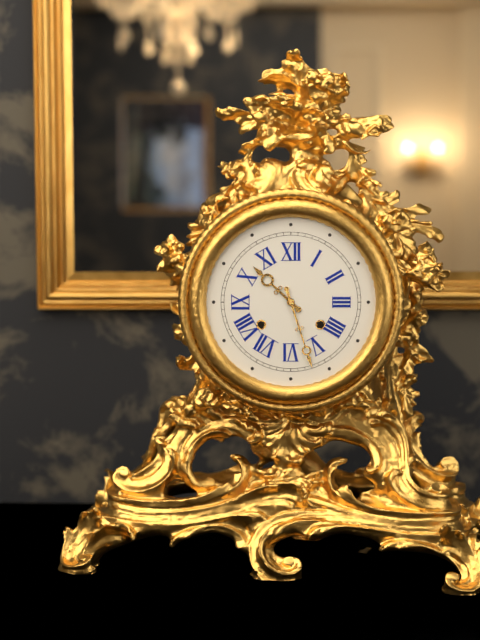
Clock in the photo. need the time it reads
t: 10:27
